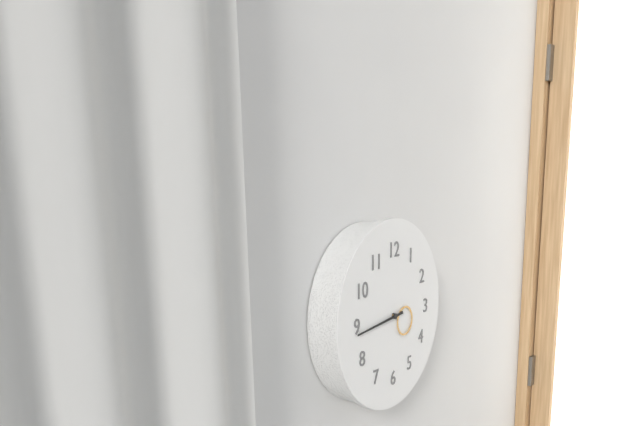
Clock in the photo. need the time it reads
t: 3:44
